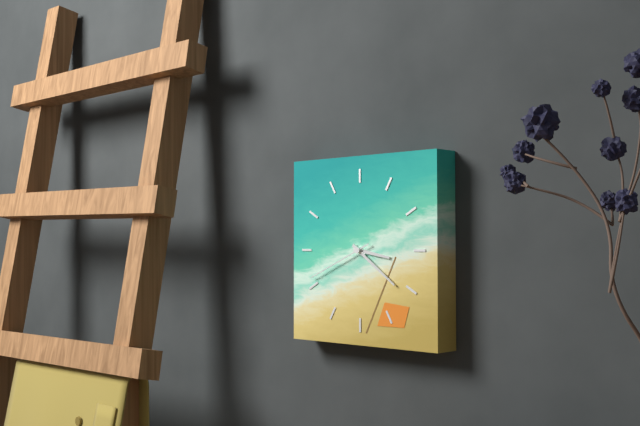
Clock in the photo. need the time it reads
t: 3:21:41
